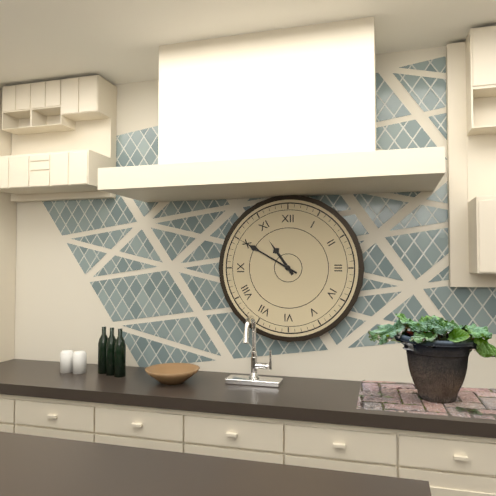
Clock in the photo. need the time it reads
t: 10:50
